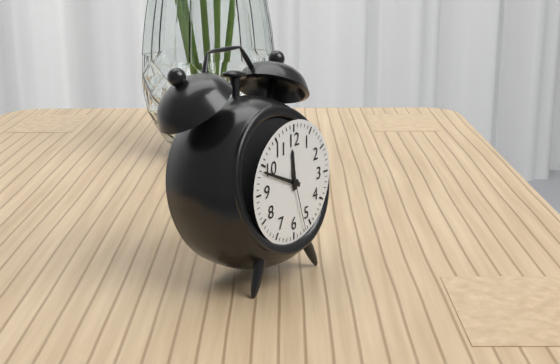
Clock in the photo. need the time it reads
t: 11:49:27
